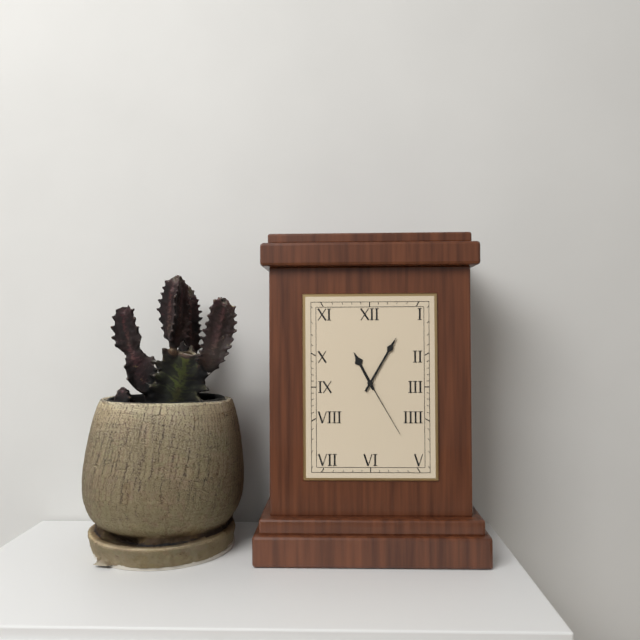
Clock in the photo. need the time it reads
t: 11:05:25
